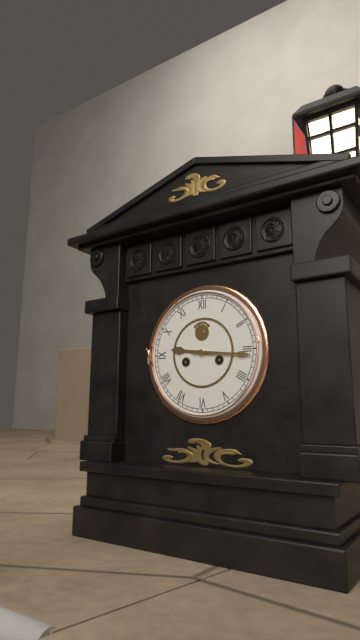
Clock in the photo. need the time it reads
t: 9:16
